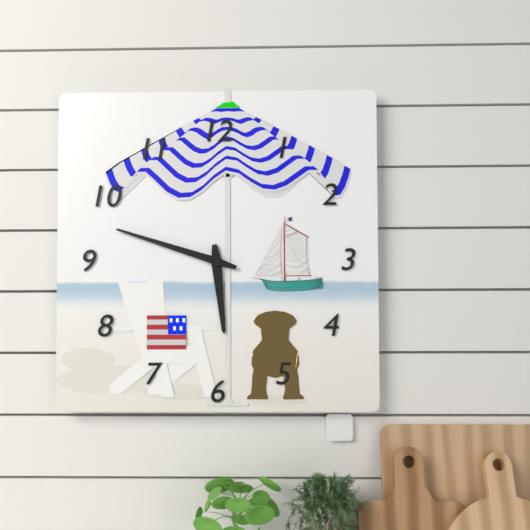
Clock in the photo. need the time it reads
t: 5:48
